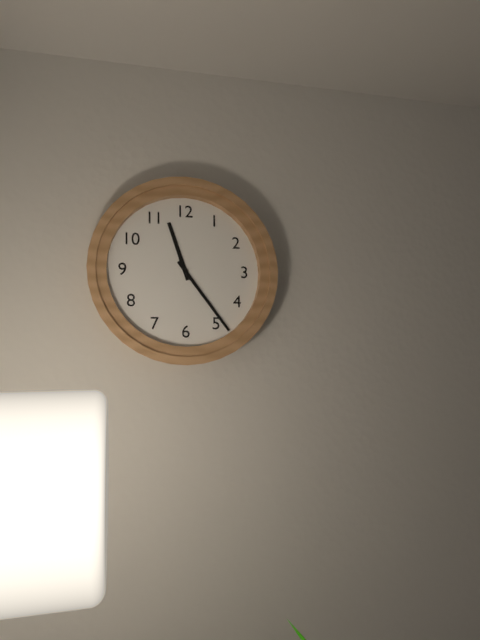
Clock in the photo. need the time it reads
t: 11:24
